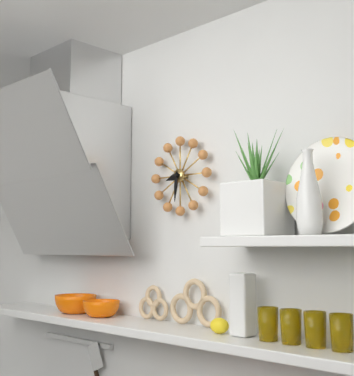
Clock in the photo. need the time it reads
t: 8:31
